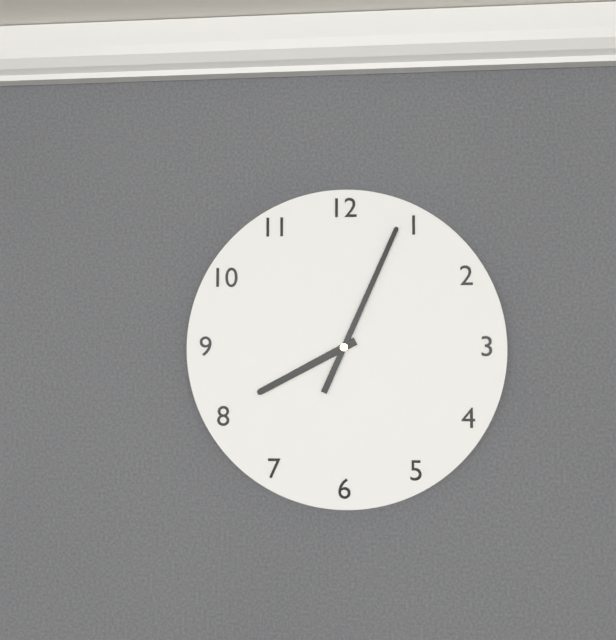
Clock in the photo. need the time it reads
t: 8:04
